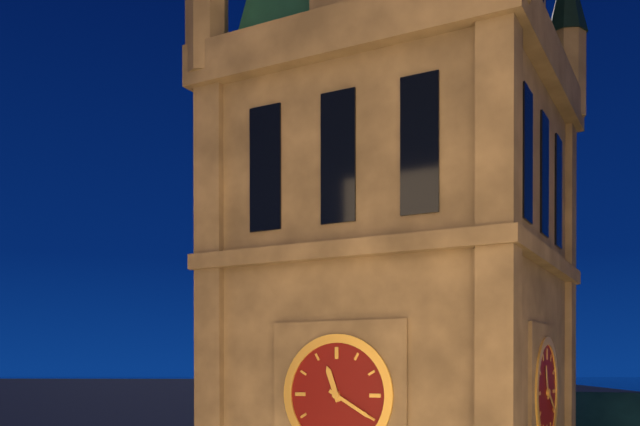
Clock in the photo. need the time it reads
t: 11:20
